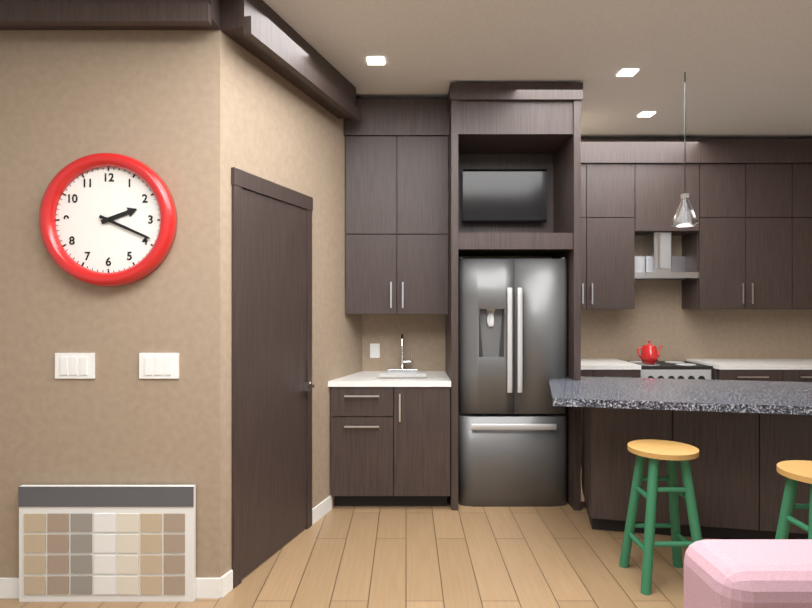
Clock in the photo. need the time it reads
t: 2:19
